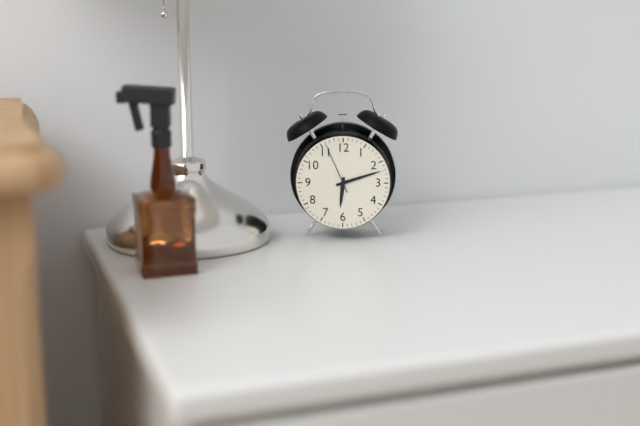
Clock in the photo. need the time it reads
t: 6:12:56
